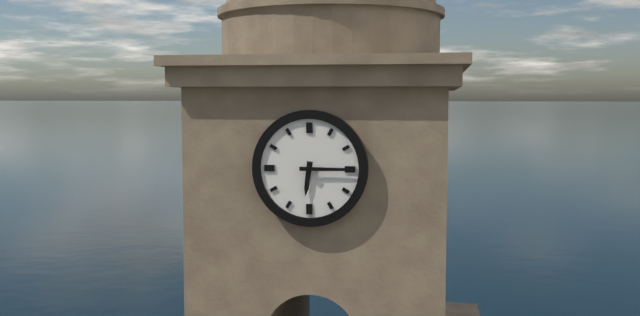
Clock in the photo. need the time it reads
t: 6:15
